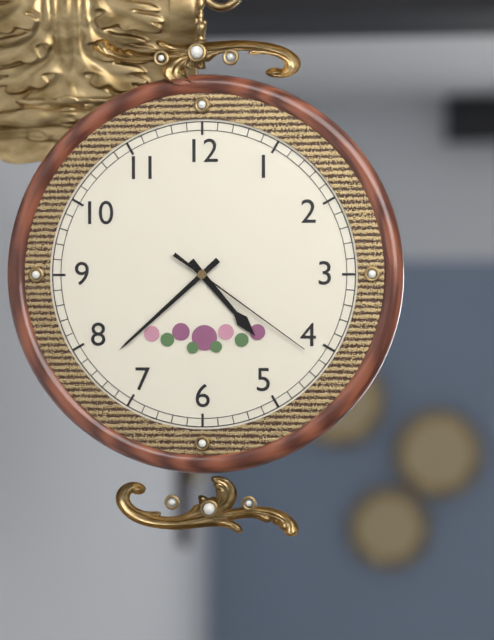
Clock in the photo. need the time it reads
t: 4:38:21
